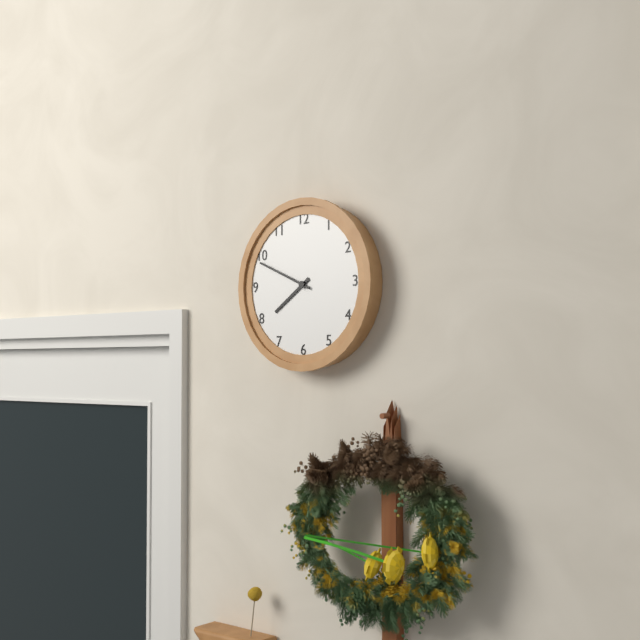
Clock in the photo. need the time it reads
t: 7:49
